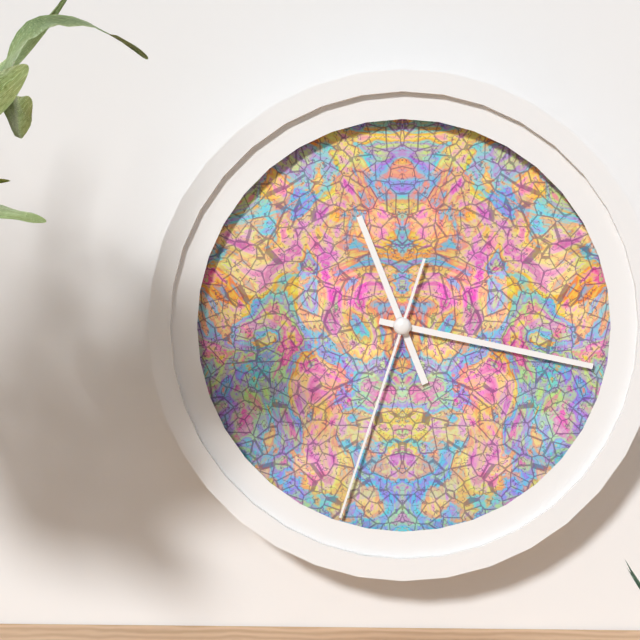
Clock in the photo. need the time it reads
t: 11:17:33
